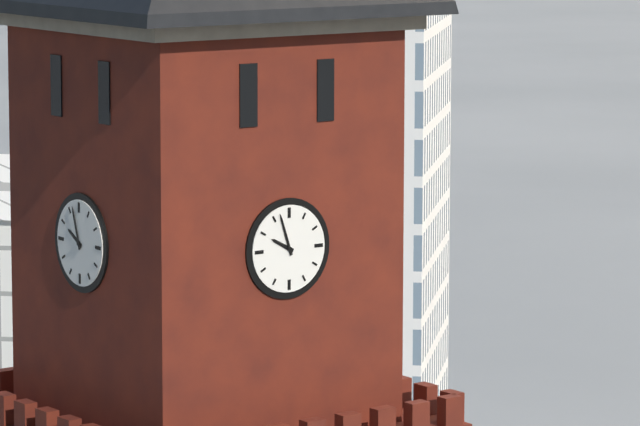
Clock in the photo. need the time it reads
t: 9:57
